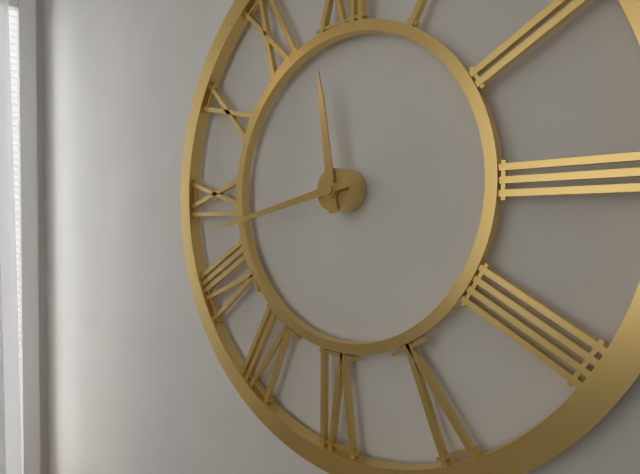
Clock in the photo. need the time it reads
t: 11:43
